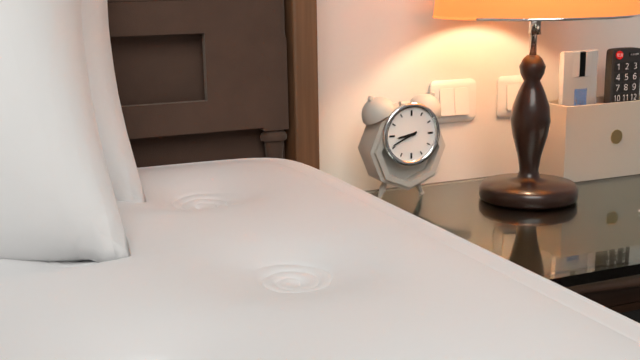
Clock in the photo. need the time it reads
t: 8:41
